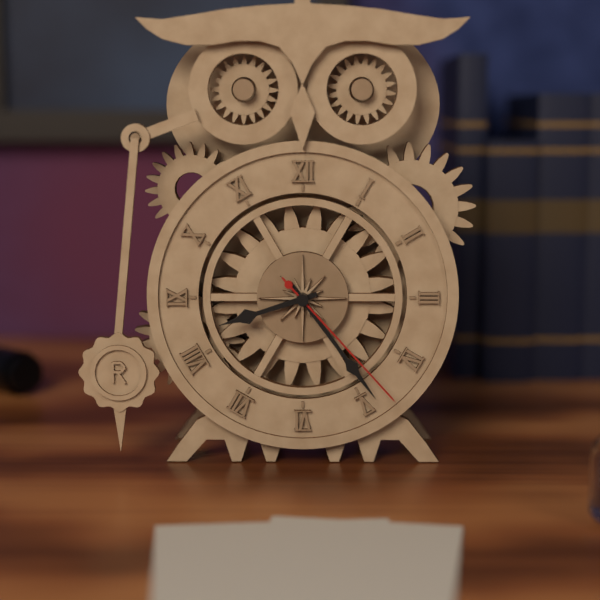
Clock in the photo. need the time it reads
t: 8:24:23
